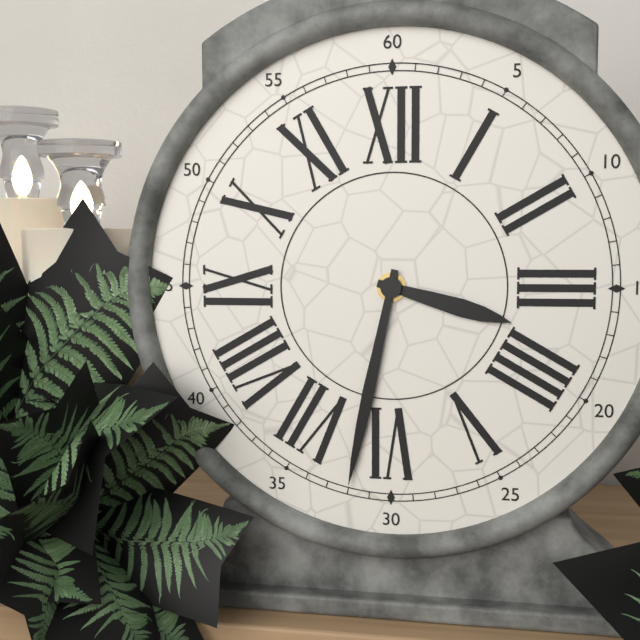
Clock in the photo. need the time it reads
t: 3:32
